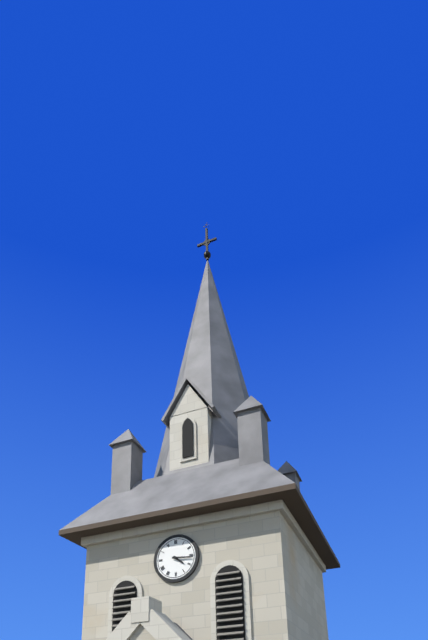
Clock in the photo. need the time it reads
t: 4:16
